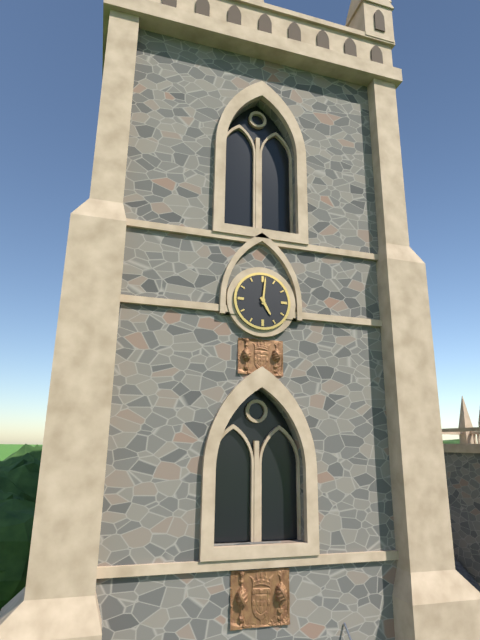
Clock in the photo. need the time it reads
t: 5:01
